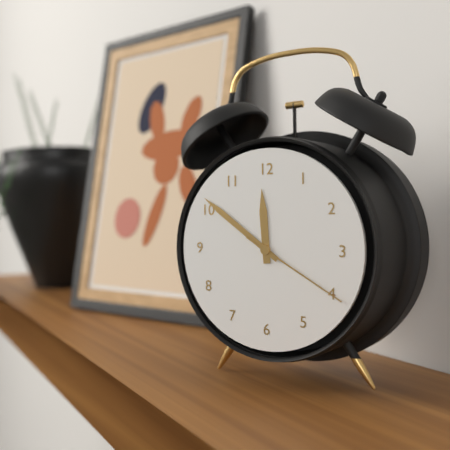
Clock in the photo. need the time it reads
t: 11:51:20
